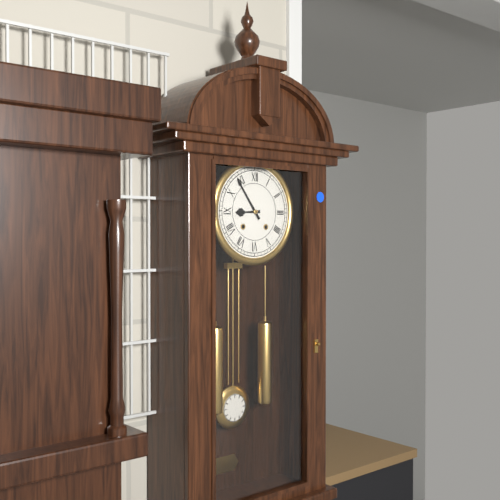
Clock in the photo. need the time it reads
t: 8:54
